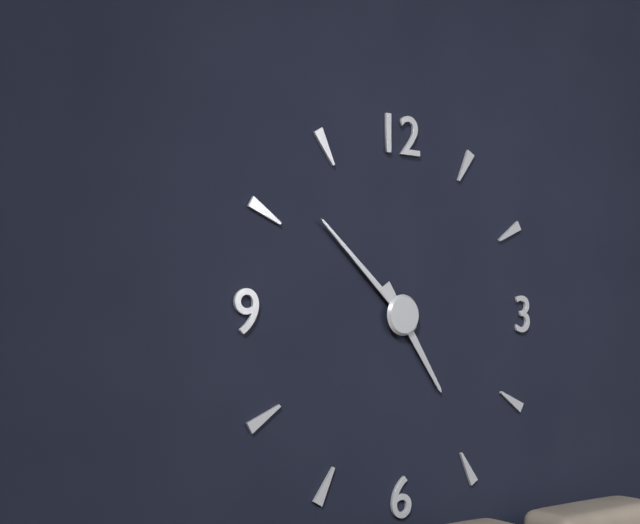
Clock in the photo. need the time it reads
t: 4:52
